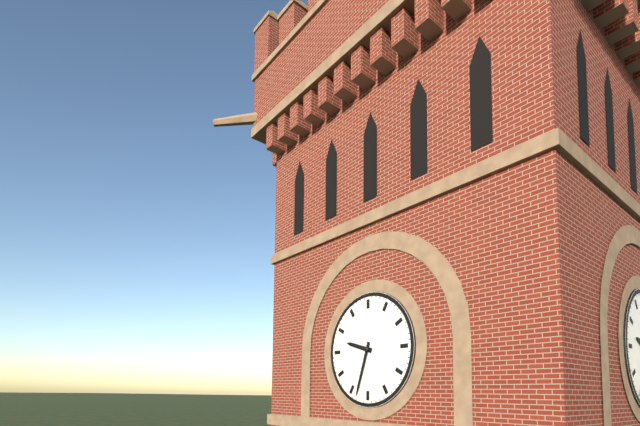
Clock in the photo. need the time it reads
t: 9:33
